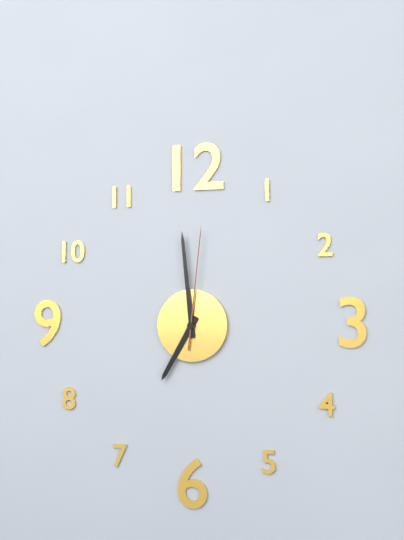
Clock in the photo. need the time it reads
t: 6:59:01
